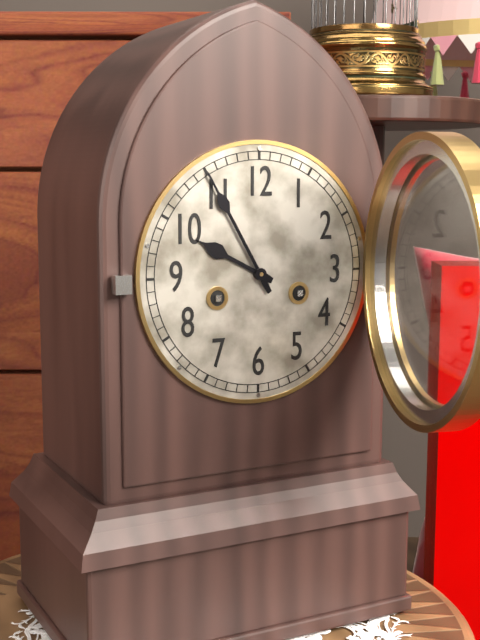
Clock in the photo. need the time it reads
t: 9:55
